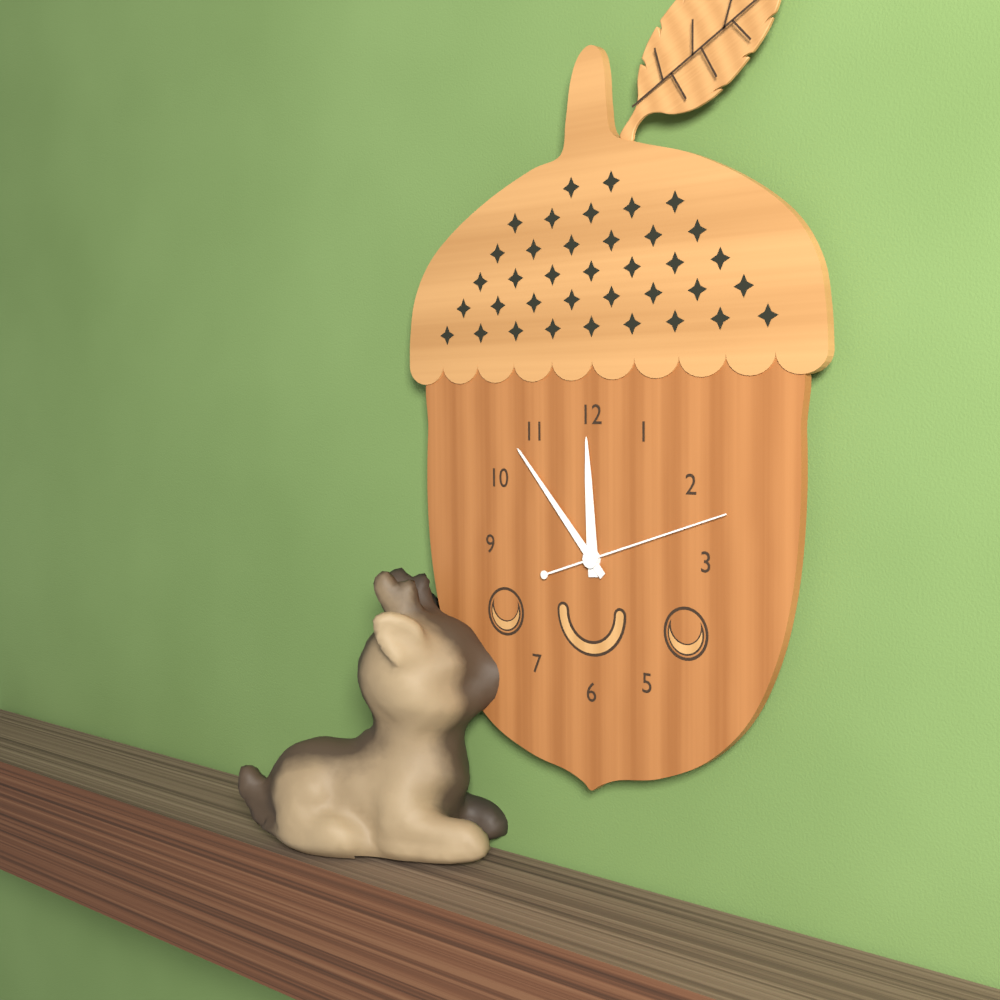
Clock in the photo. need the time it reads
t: 11:53:12
